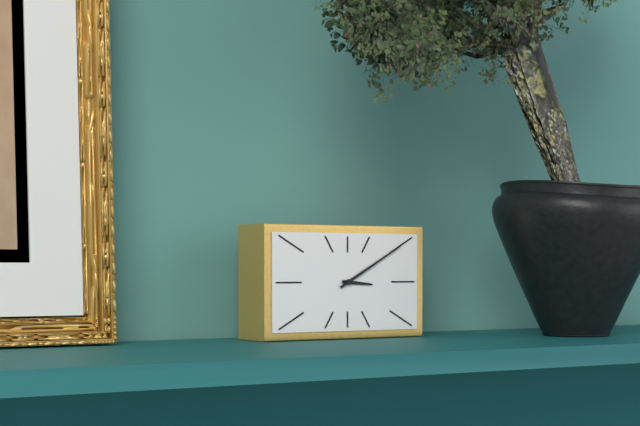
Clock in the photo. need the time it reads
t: 3:10
